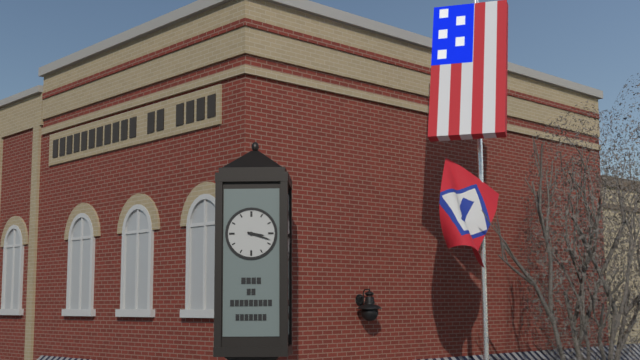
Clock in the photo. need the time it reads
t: 3:18
